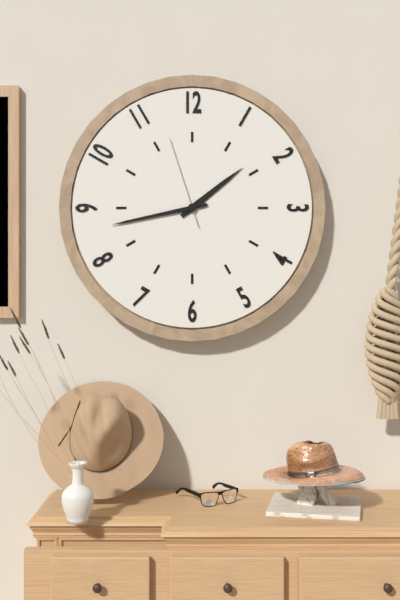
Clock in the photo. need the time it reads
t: 1:43:57
